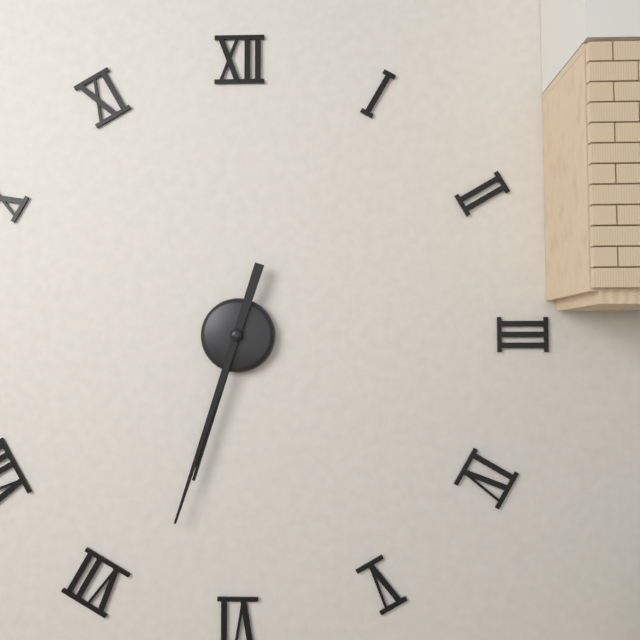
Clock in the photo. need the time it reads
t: 6:33
